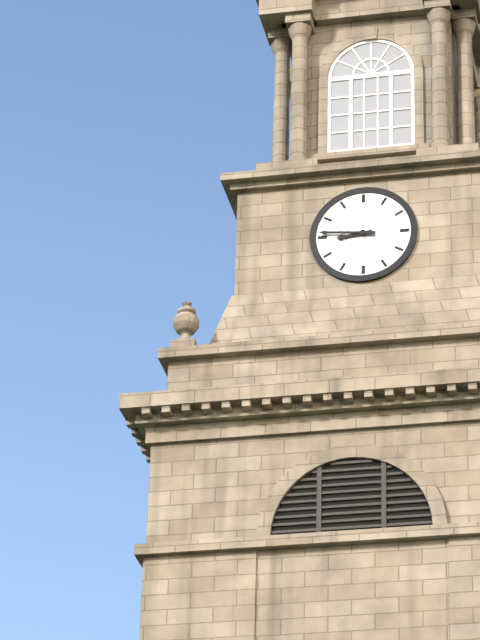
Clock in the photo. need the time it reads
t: 8:46
